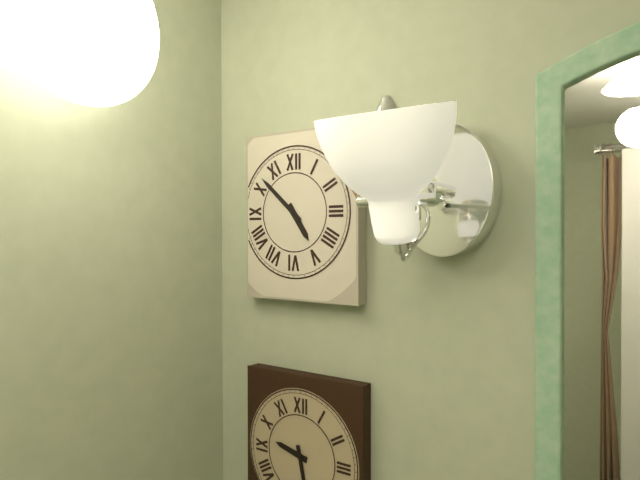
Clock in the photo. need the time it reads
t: 4:52
